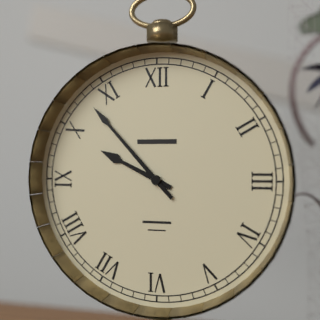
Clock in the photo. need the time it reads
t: 9:53
